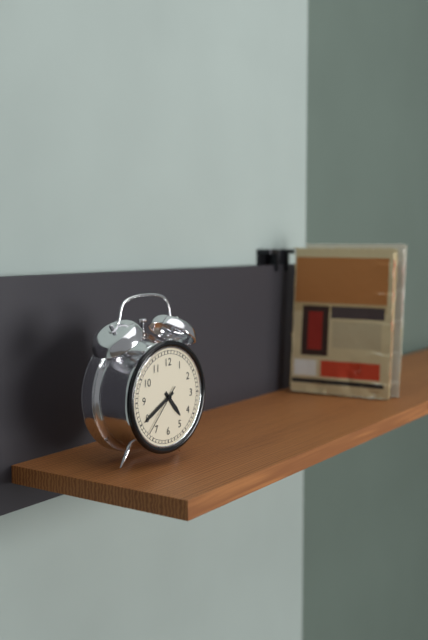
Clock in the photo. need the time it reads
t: 4:40:37
